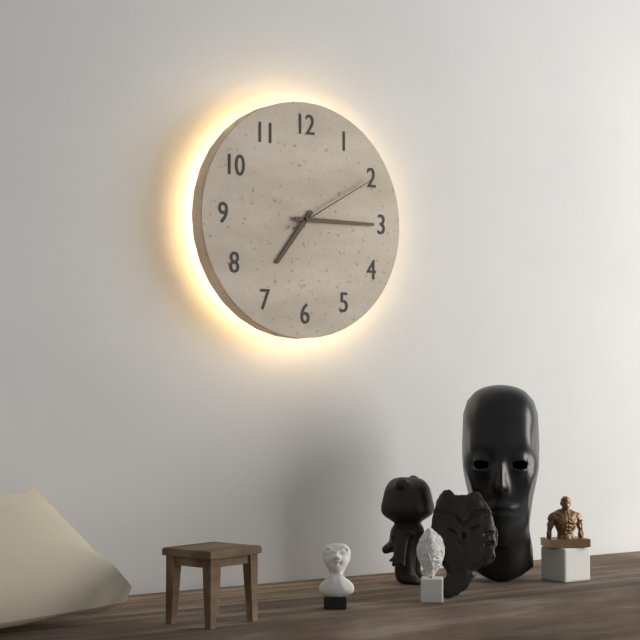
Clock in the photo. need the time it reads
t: 7:15:10
